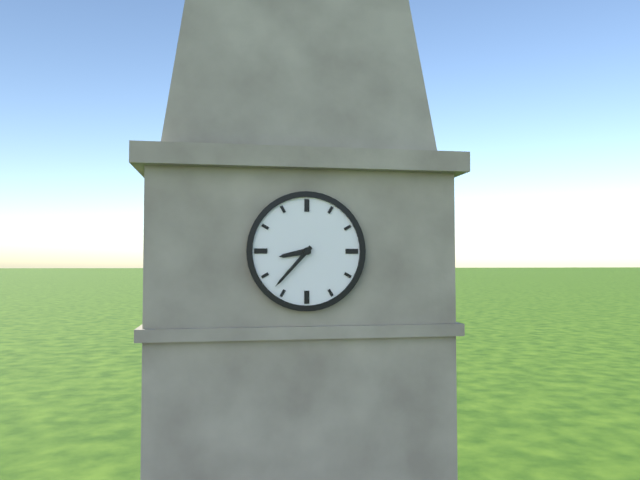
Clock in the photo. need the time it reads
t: 8:37
